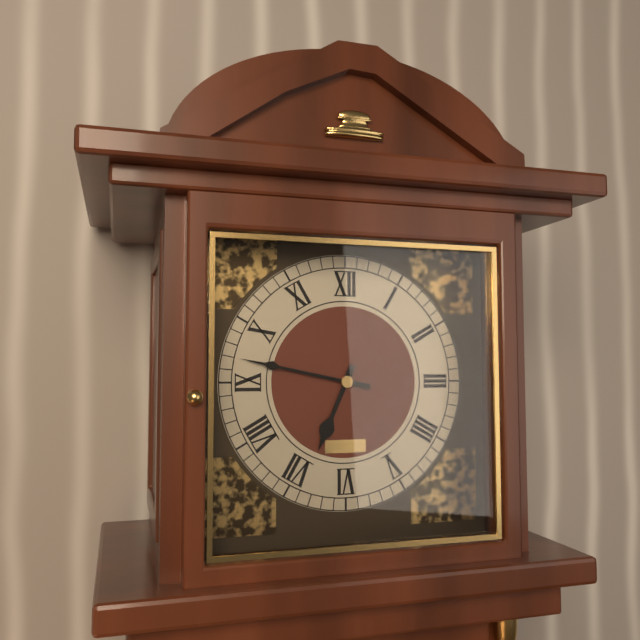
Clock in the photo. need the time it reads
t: 6:47
